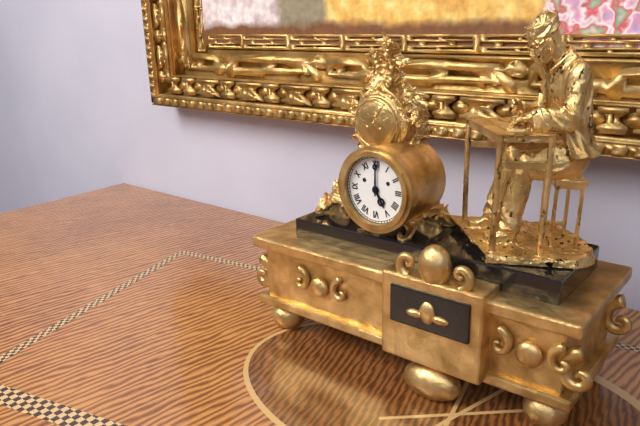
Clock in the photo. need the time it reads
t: 5:00
